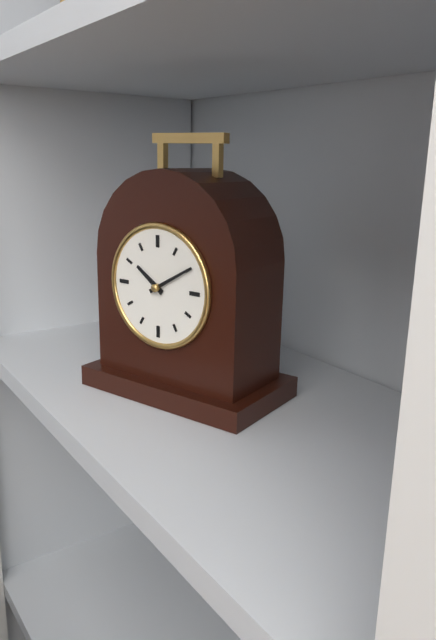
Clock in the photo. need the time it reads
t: 10:10
